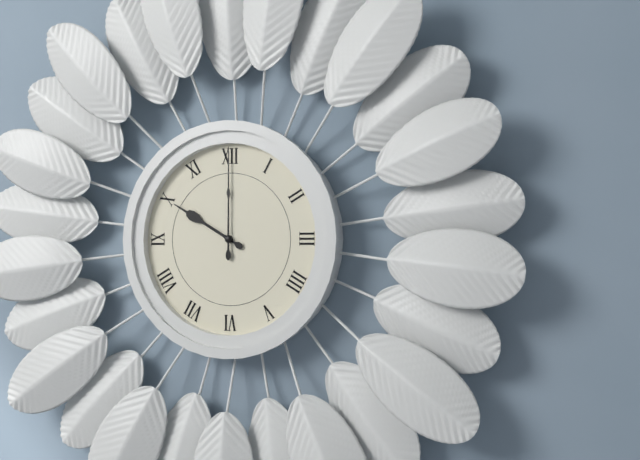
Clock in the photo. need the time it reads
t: 10:00
